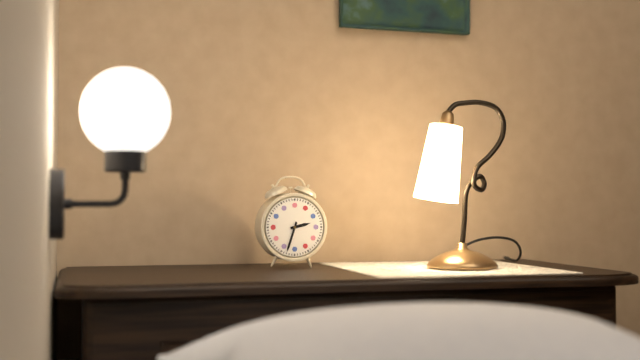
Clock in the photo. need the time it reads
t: 2:33
